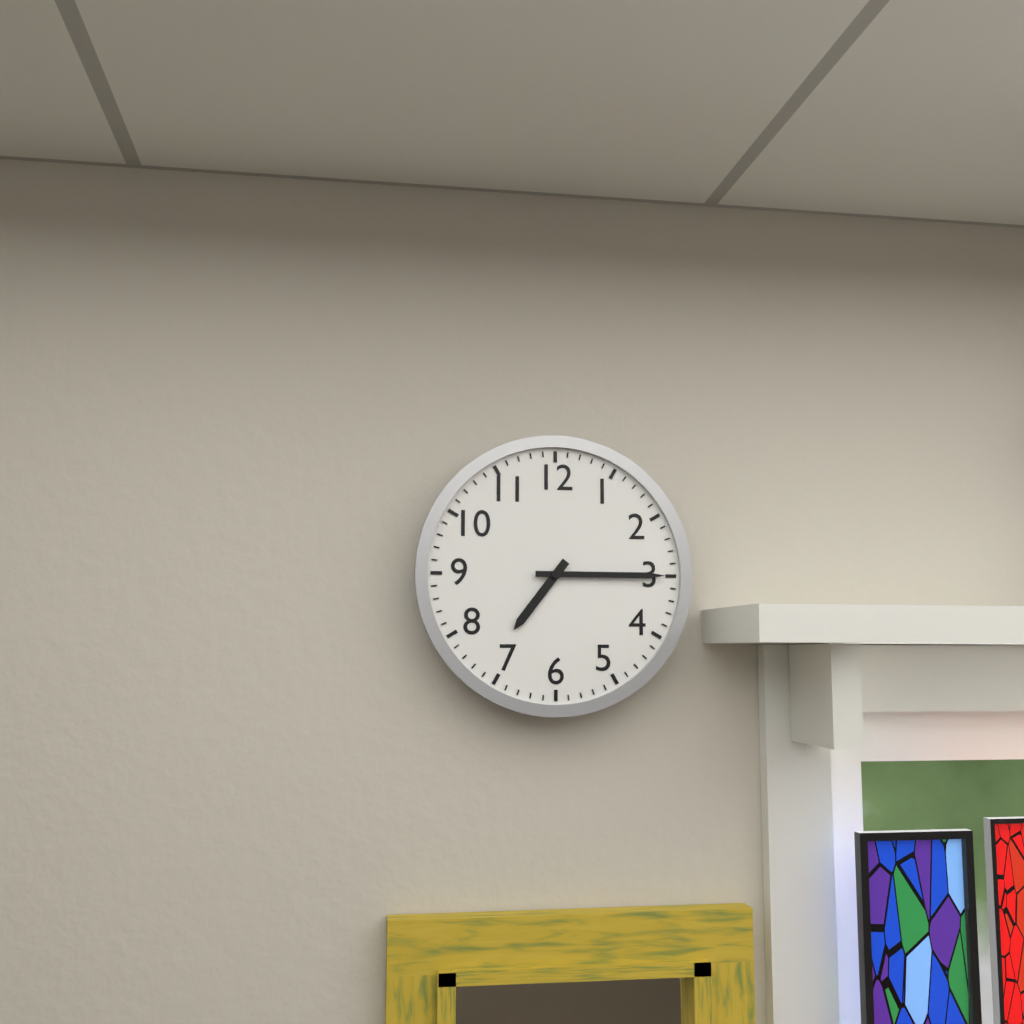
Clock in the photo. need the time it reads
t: 7:15
